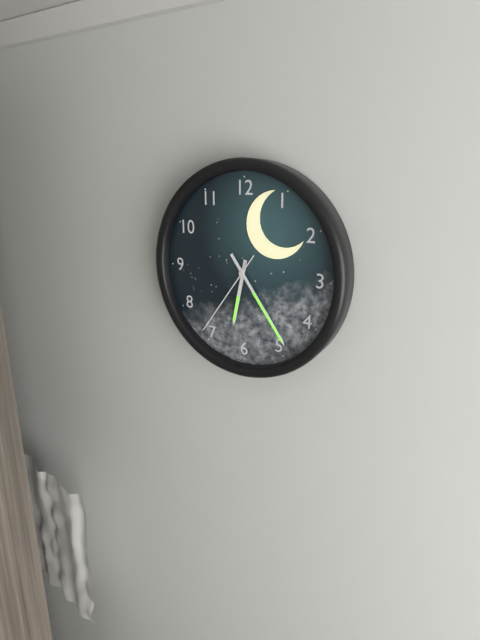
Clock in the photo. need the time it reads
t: 6:24:36
